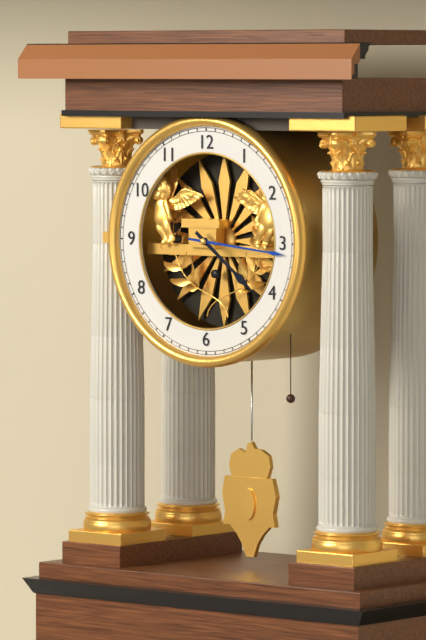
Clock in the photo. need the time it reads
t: 4:16
